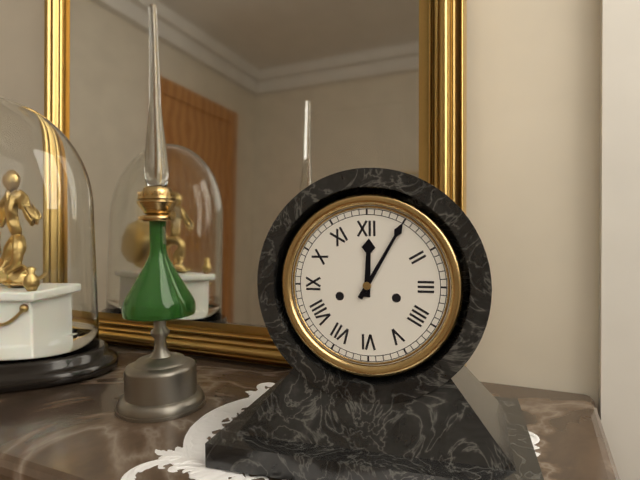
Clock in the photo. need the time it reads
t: 12:05
